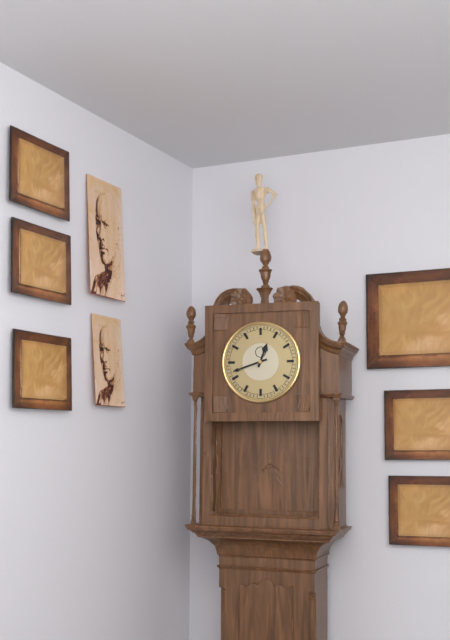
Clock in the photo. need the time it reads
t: 12:42
